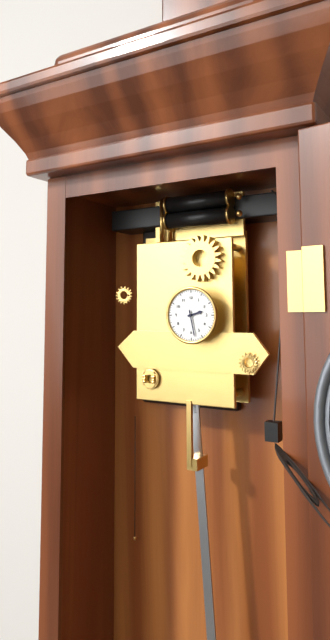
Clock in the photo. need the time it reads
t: 2:28
